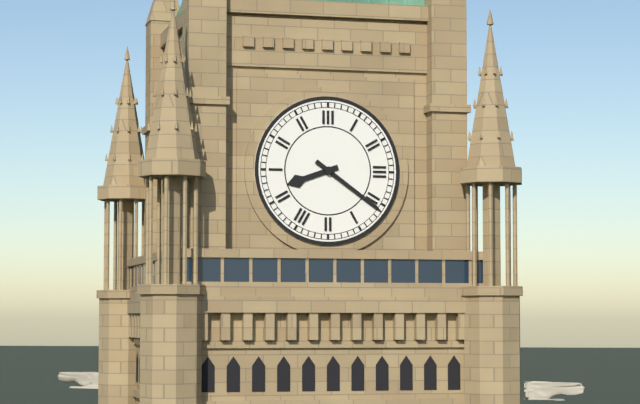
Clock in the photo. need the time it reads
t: 8:21
